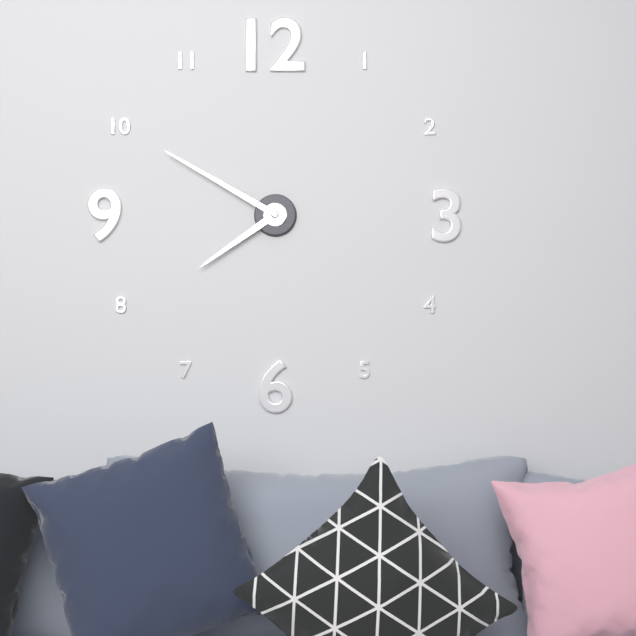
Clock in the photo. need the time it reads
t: 7:50
